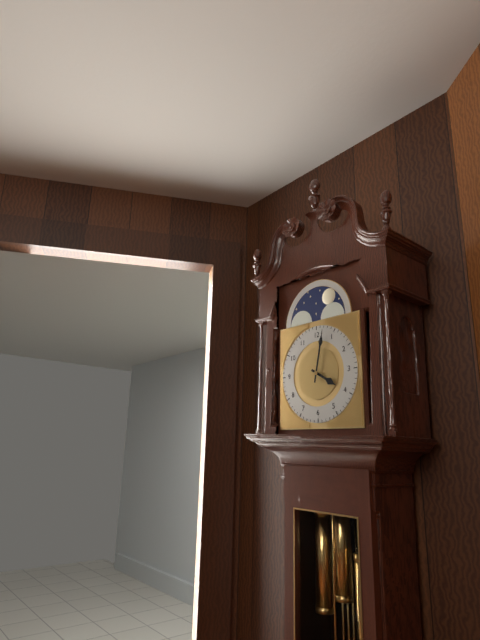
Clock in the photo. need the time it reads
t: 4:02
